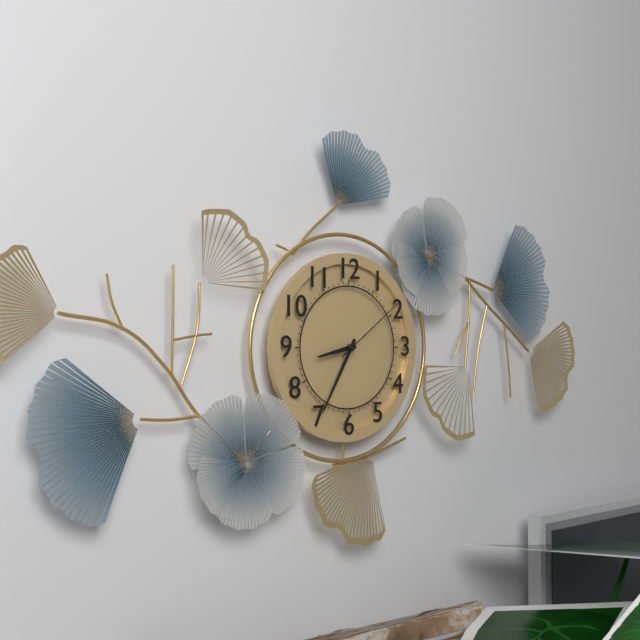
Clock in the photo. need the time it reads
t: 8:35:09
